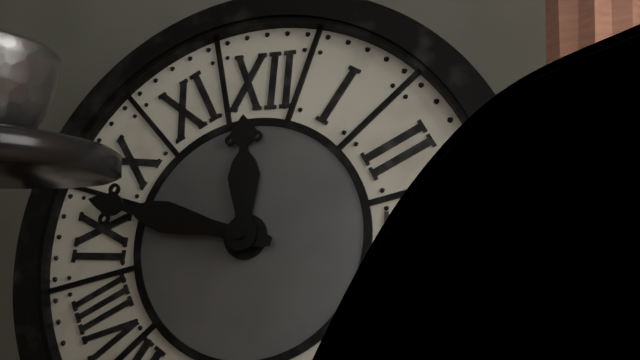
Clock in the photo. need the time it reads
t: 11:47
